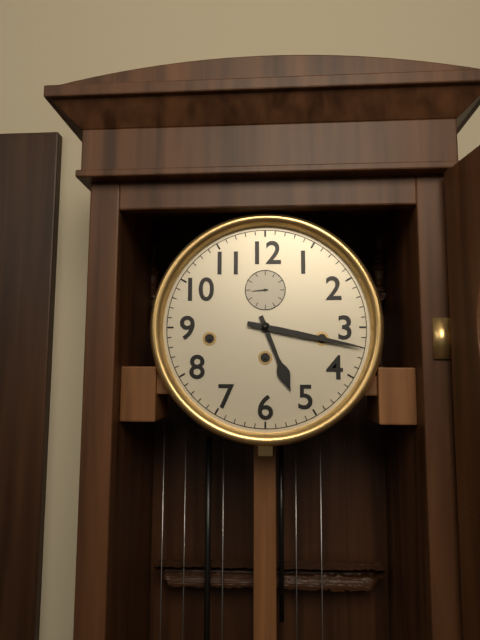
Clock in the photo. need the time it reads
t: 5:17
